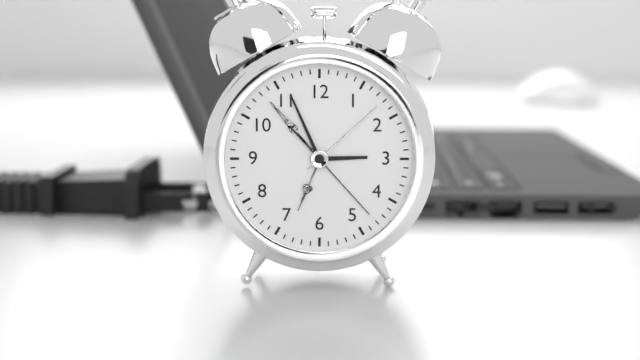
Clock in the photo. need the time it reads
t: 2:56:23
